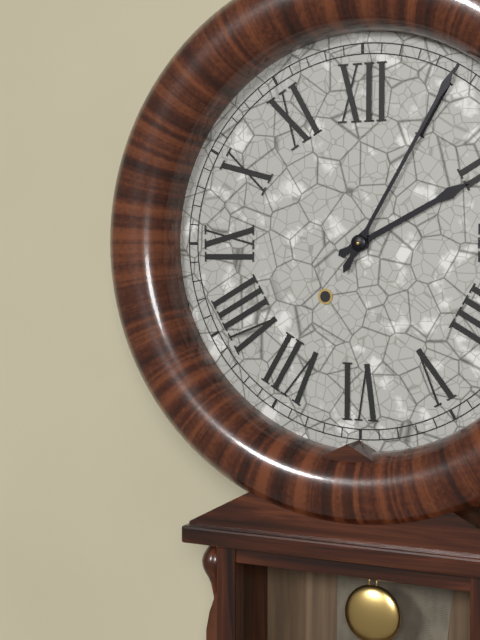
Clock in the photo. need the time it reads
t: 2:05
